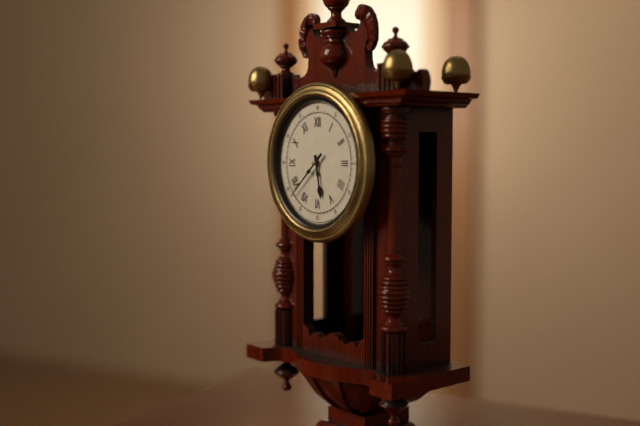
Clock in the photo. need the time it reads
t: 5:38
